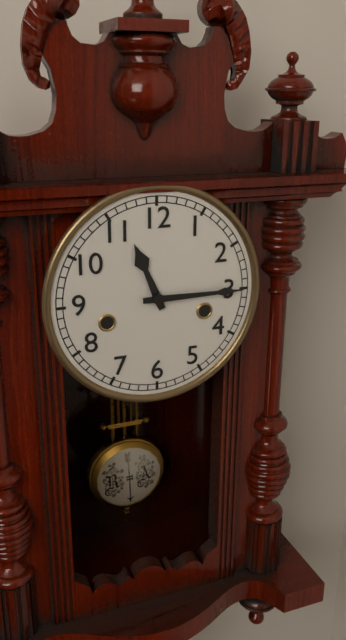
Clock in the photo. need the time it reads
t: 11:15
